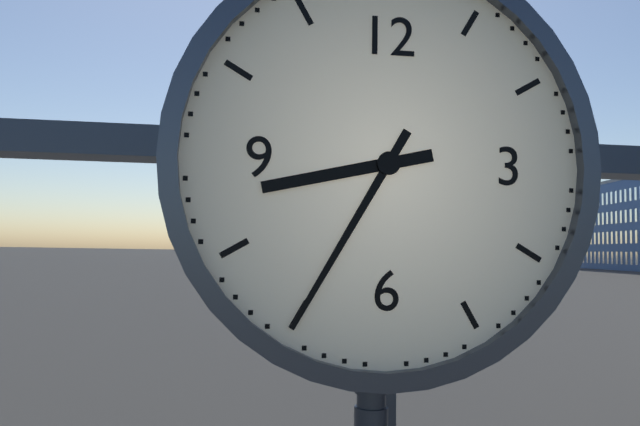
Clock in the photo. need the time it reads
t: 8:35
